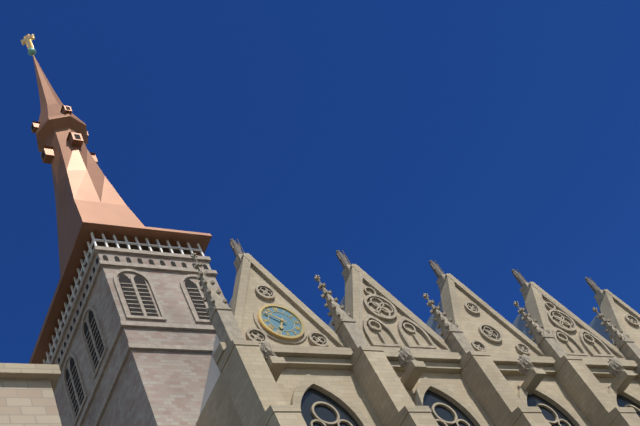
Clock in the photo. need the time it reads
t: 6:51
